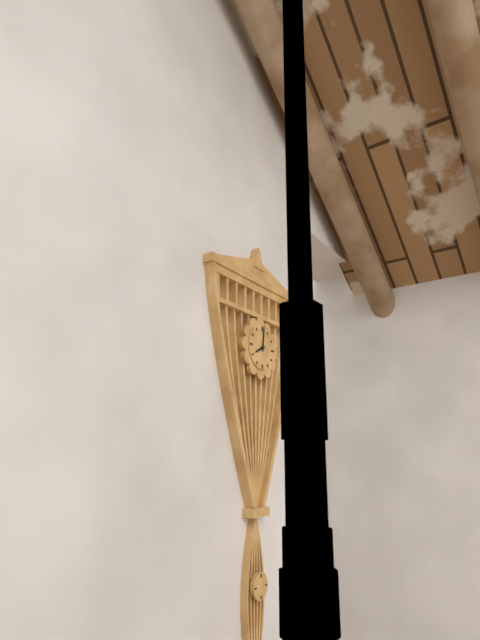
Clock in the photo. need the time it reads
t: 8:01
